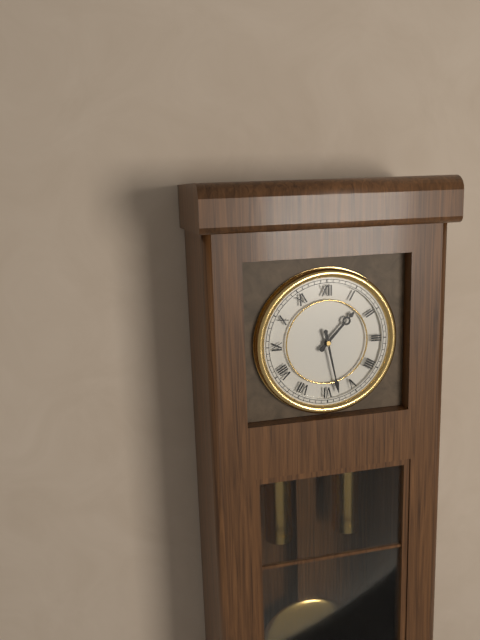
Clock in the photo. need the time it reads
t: 1:28
